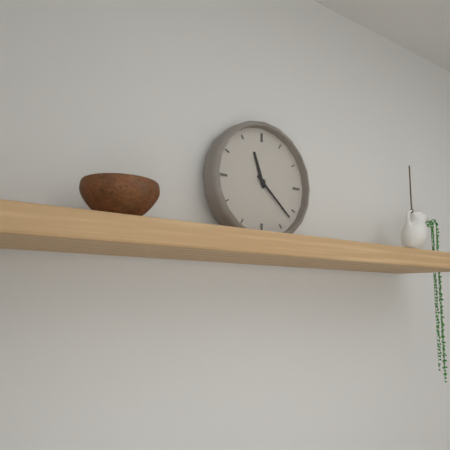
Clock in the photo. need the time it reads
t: 11:22
